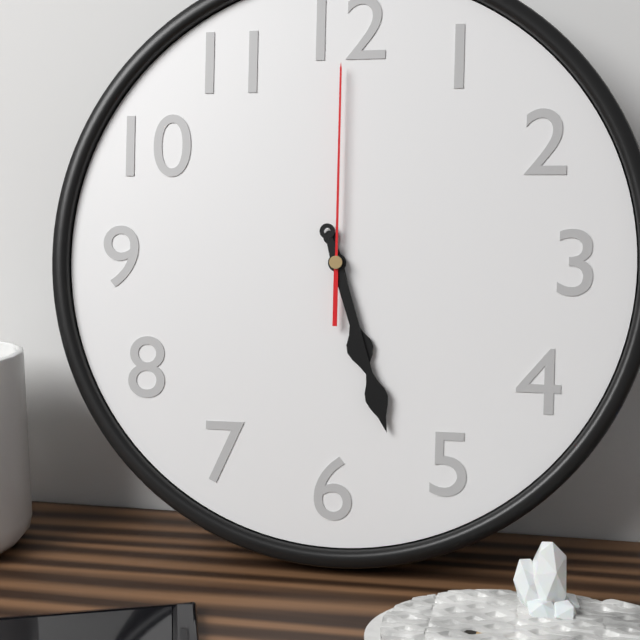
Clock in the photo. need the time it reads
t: 5:27:00
